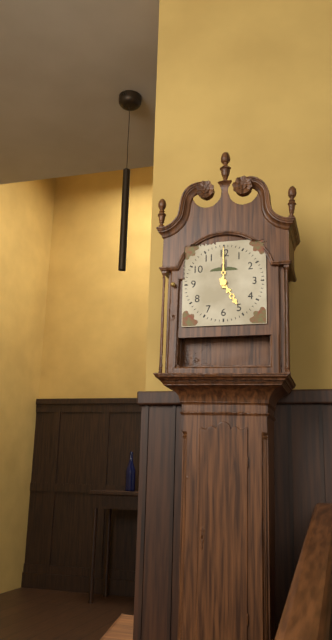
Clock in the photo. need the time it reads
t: 5:00
